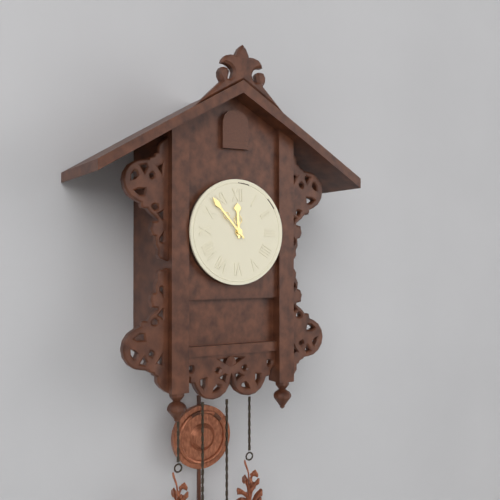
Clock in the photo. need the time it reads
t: 11:53
